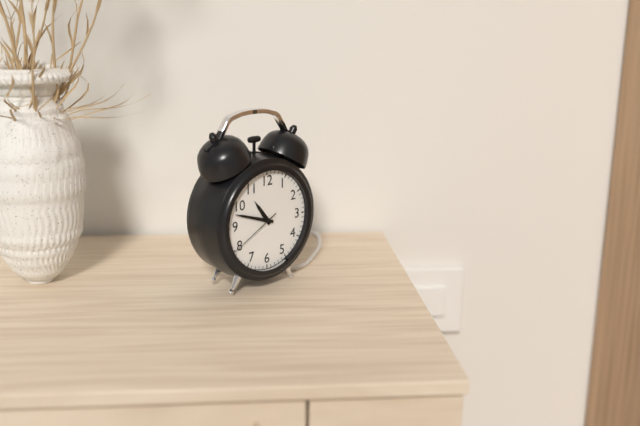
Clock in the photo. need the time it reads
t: 10:48:40
